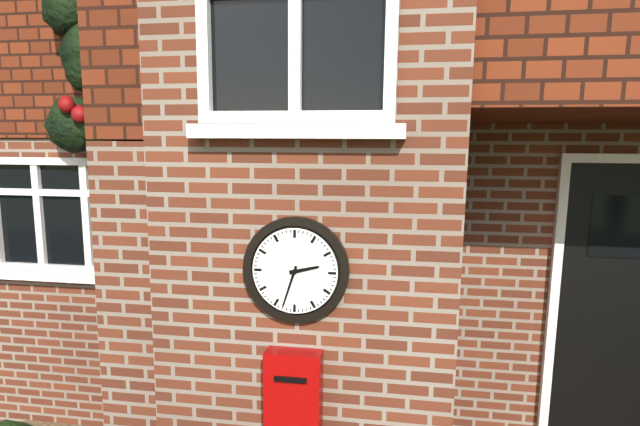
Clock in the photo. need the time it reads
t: 2:33
